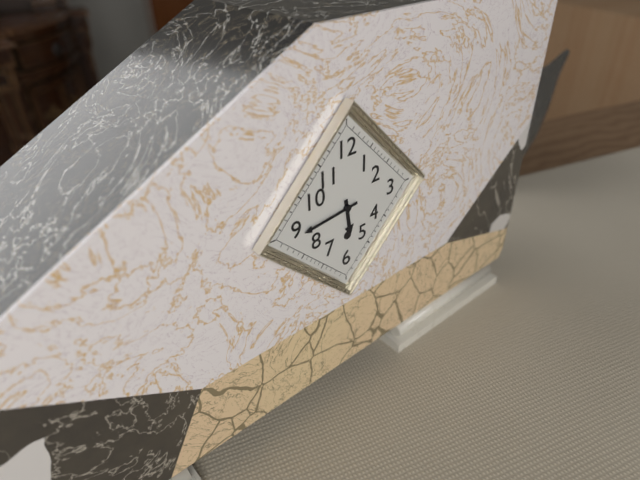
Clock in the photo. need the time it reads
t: 5:44
